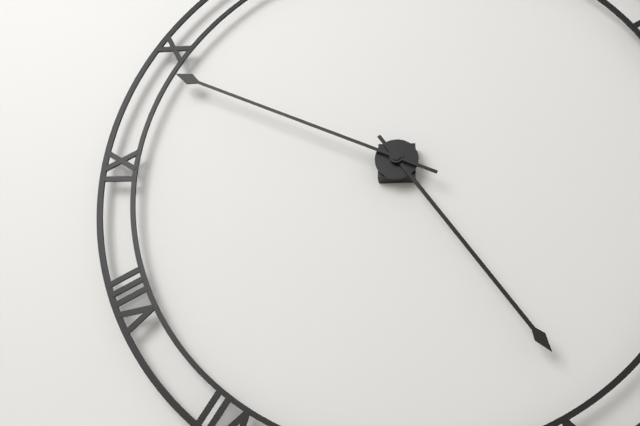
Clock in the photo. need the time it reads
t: 4:49
